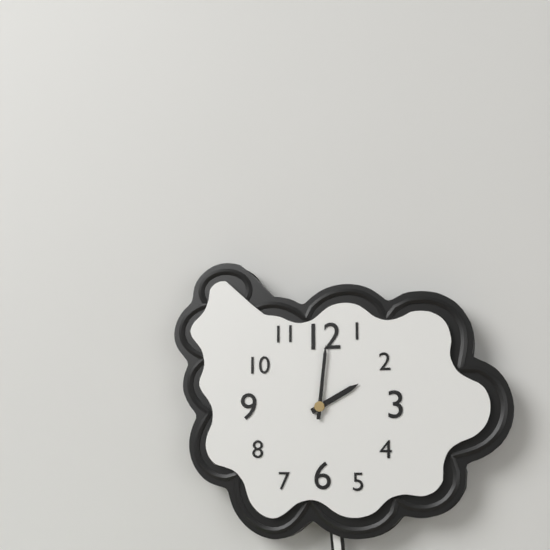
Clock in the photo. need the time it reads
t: 2:01
